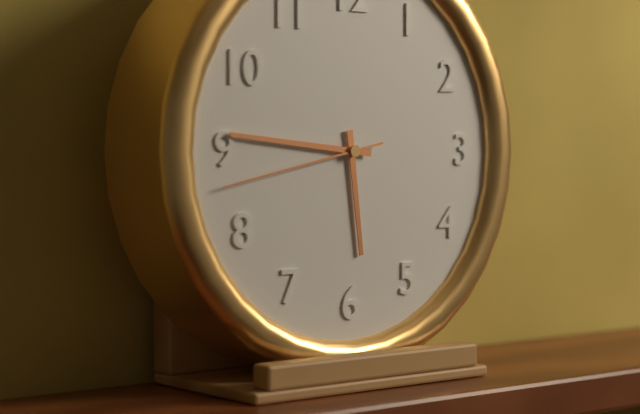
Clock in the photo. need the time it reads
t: 5:46:43
